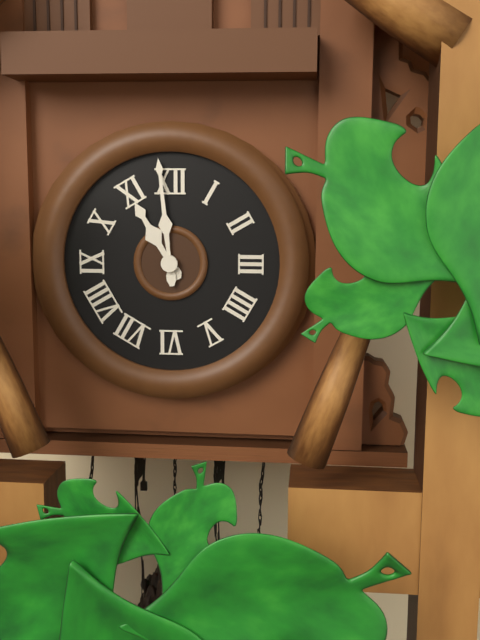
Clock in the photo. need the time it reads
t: 10:59
